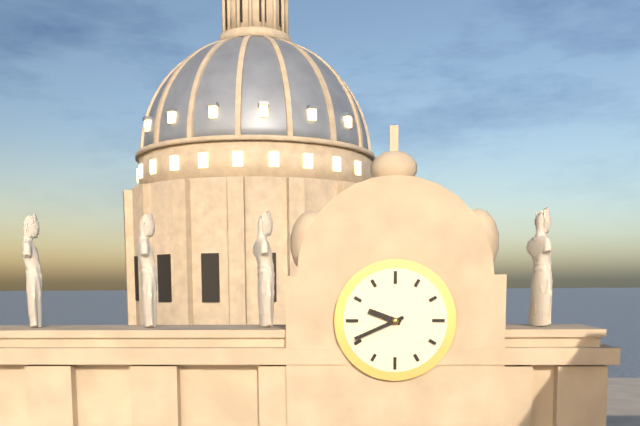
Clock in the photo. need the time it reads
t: 9:41
